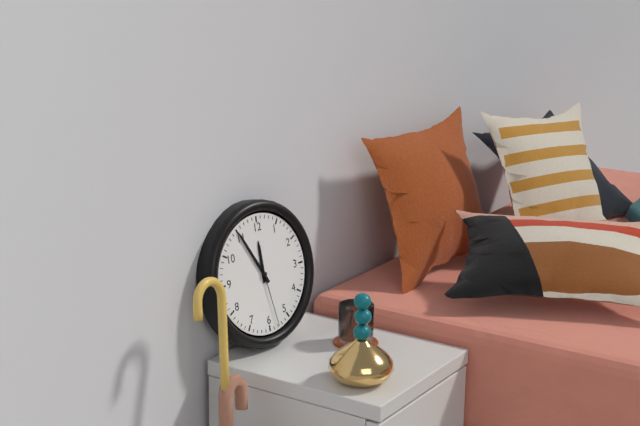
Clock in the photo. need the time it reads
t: 11:55:28
